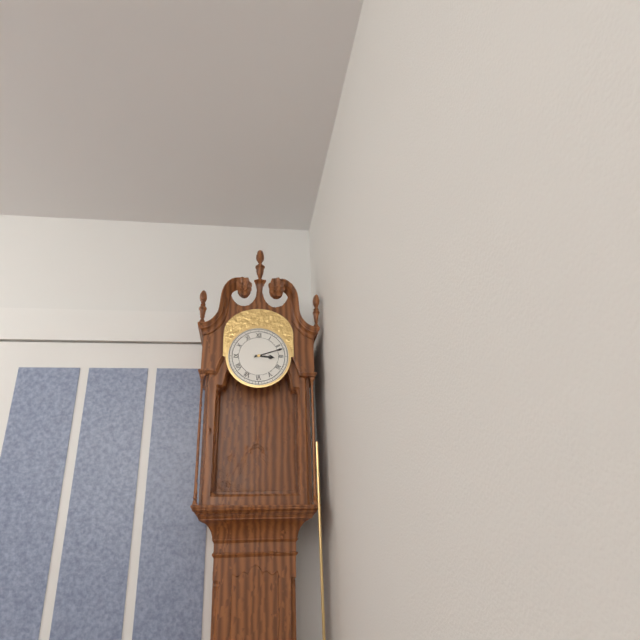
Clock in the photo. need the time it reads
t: 3:12
